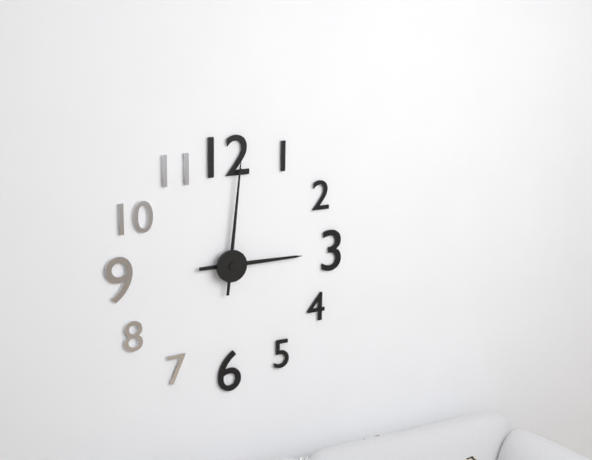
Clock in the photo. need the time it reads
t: 3:01
